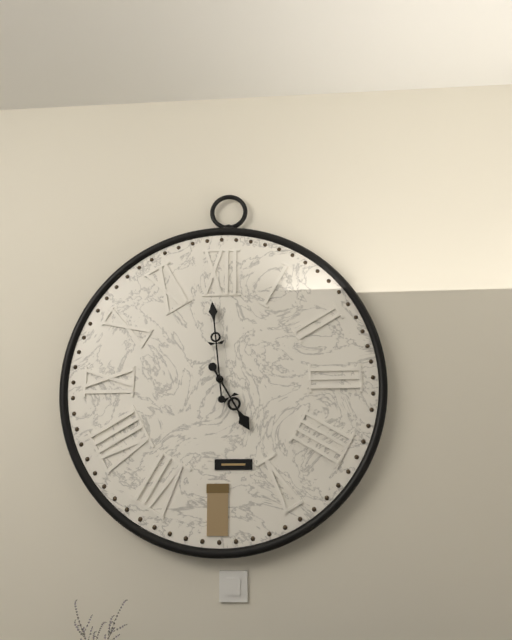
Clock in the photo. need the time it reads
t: 4:59
